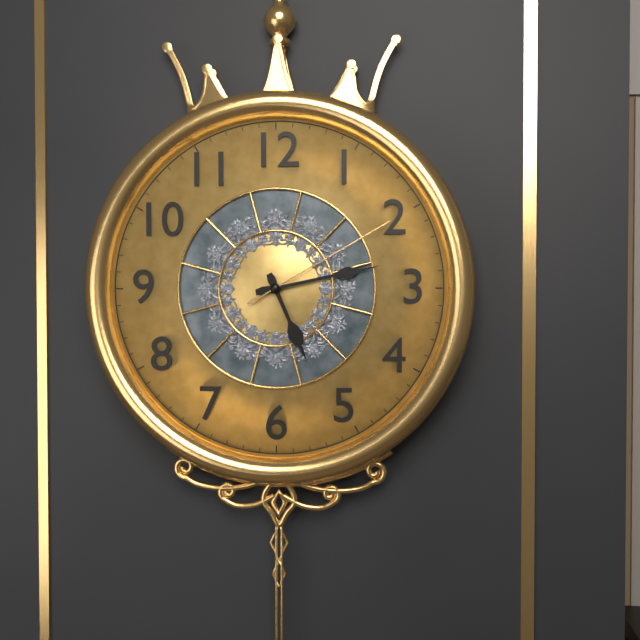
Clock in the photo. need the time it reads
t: 5:13:10
